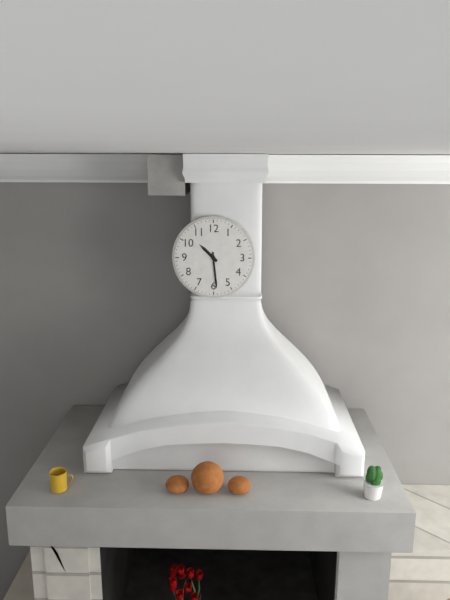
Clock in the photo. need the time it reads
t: 10:29
